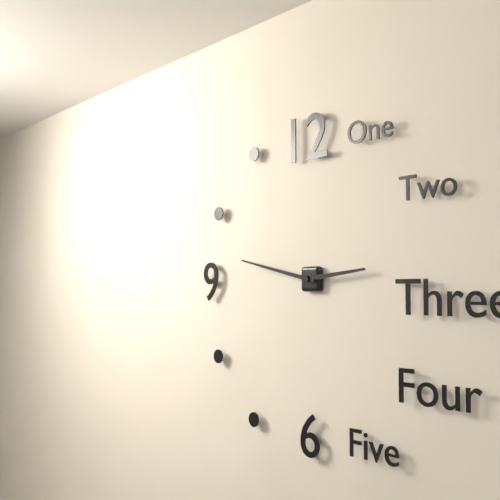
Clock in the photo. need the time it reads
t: 2:47
